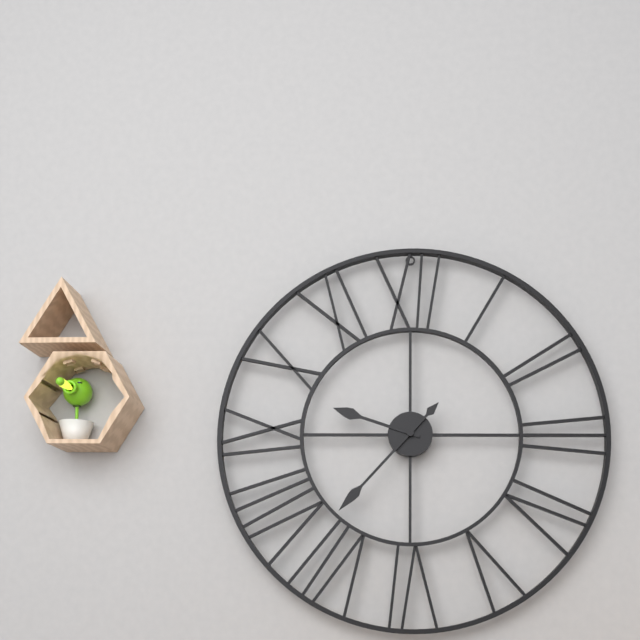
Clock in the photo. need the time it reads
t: 9:37
